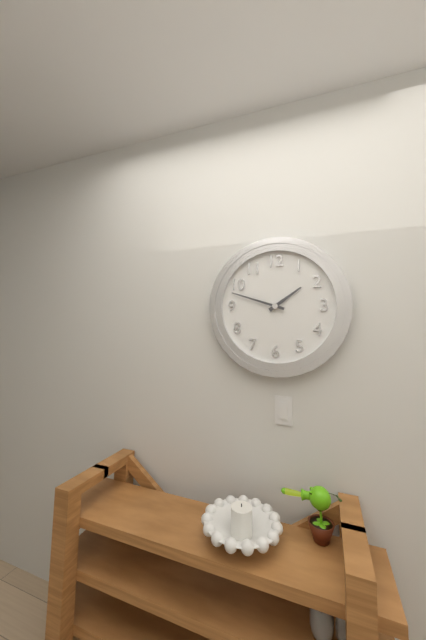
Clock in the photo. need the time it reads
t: 1:48
